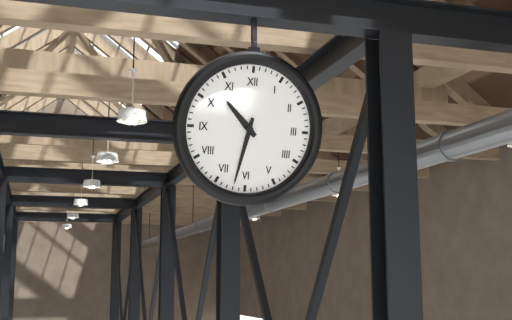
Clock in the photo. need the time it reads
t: 10:32
